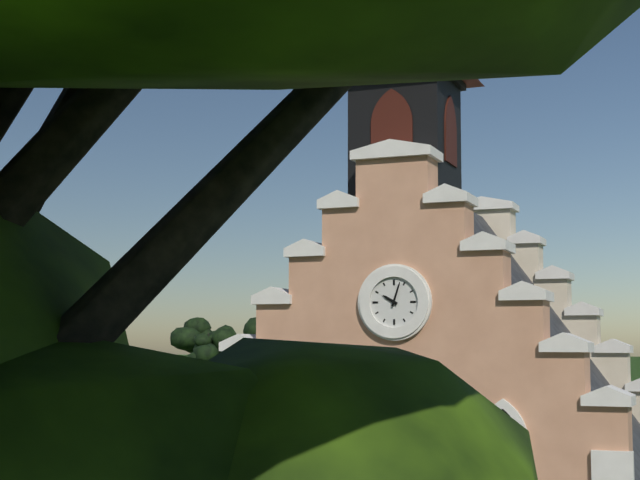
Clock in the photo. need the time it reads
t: 10:03
